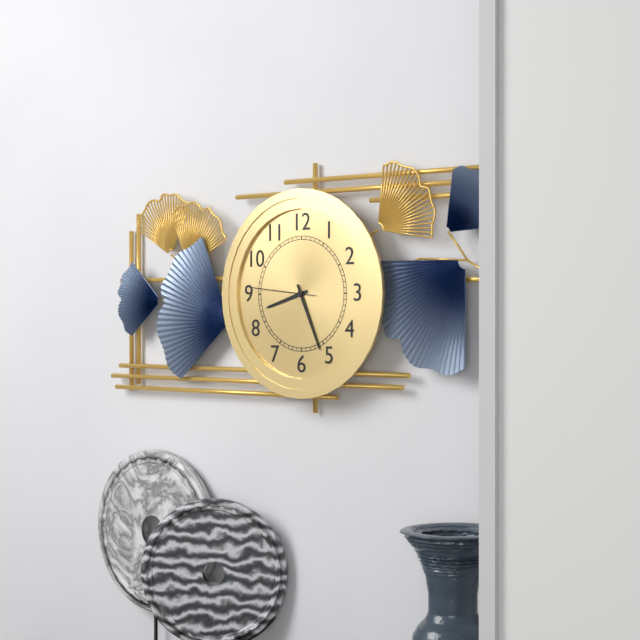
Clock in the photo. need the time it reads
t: 8:26:46
